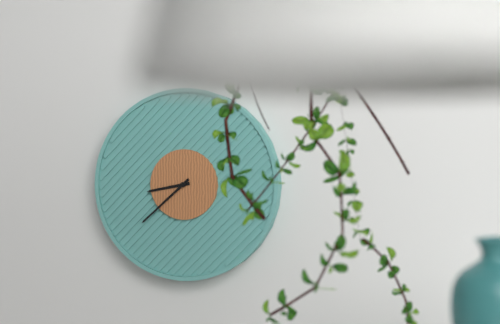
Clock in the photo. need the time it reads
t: 8:38
